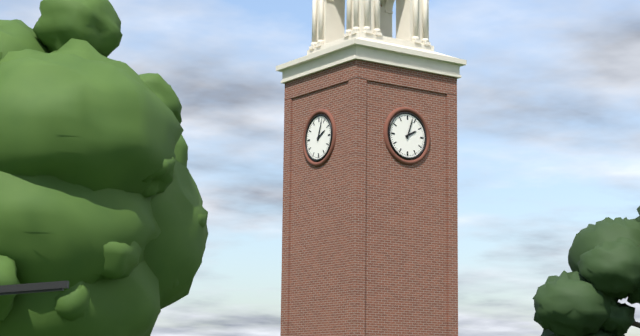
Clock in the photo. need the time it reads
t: 2:03
